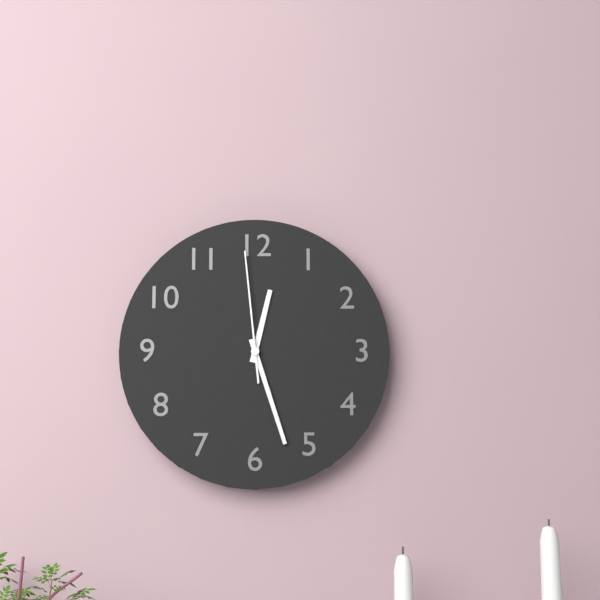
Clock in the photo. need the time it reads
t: 12:27:59
